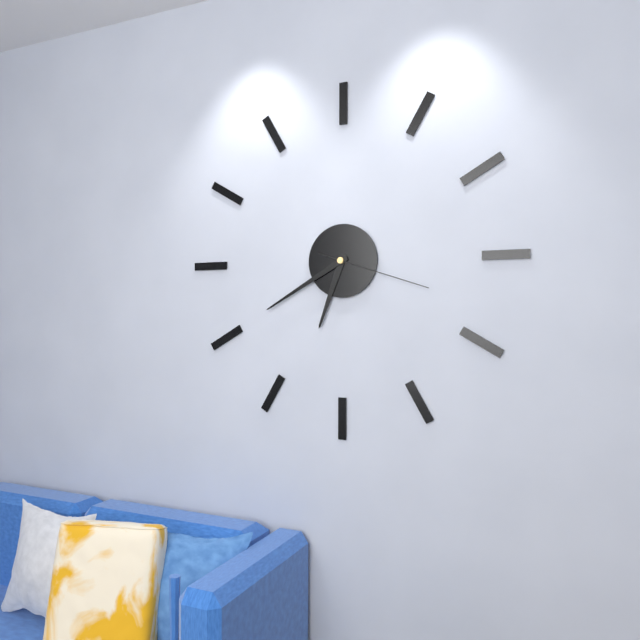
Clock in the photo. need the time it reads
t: 6:40:18
